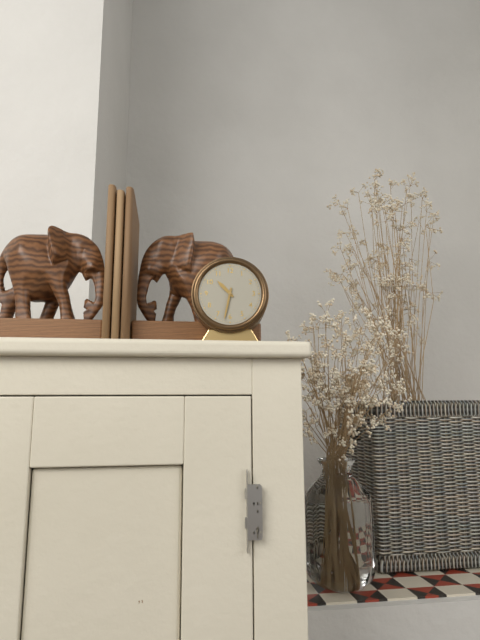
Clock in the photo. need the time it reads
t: 10:32
